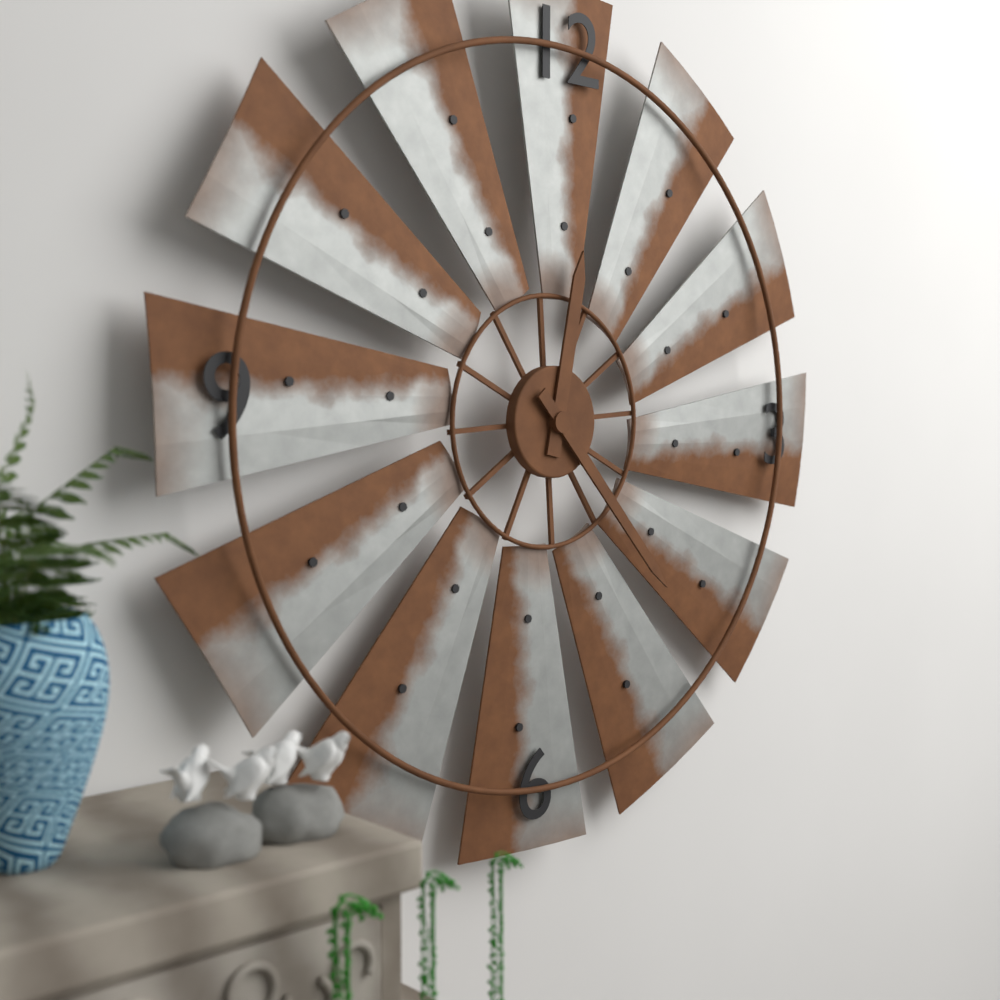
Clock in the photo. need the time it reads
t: 12:23
